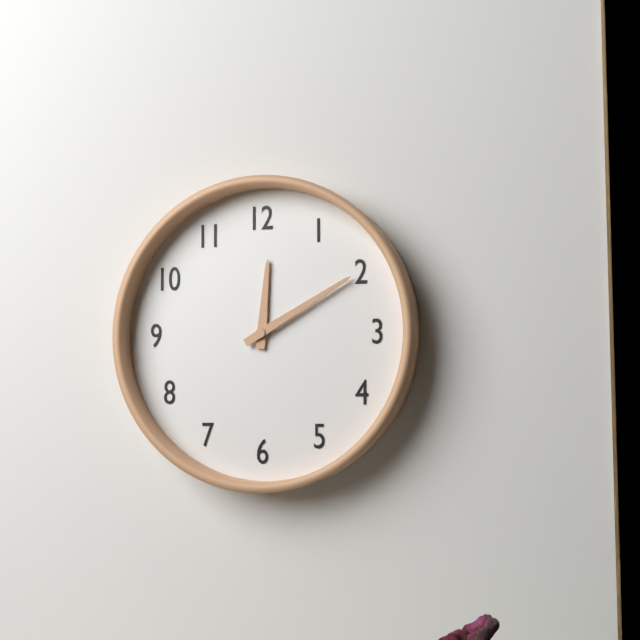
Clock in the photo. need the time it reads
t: 12:10
